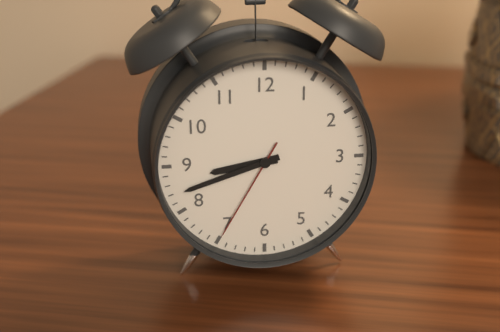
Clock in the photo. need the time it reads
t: 8:42:35
